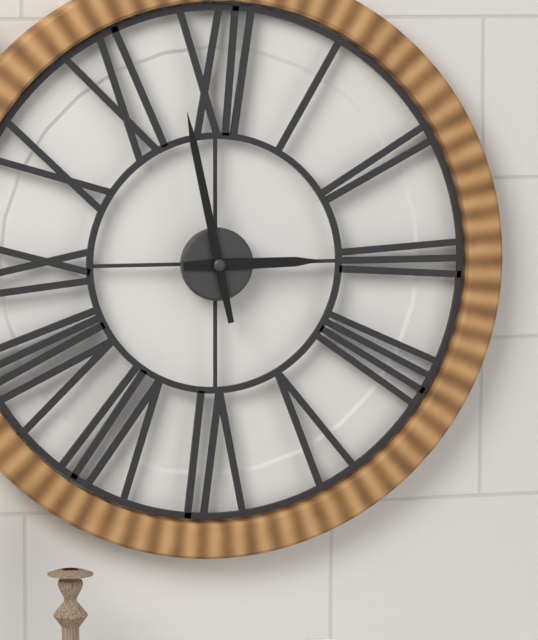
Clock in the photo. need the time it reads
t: 2:58
